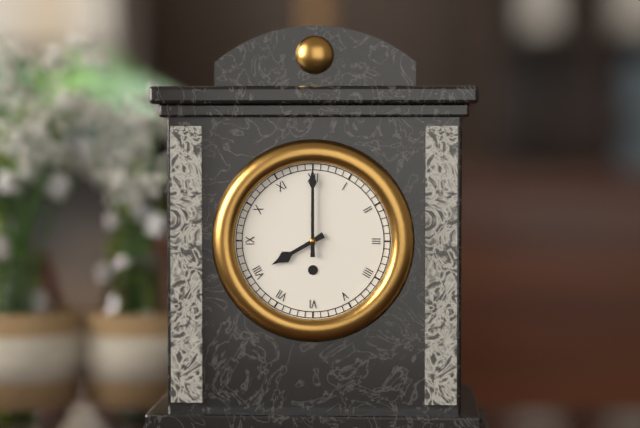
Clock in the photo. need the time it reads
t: 8:00
